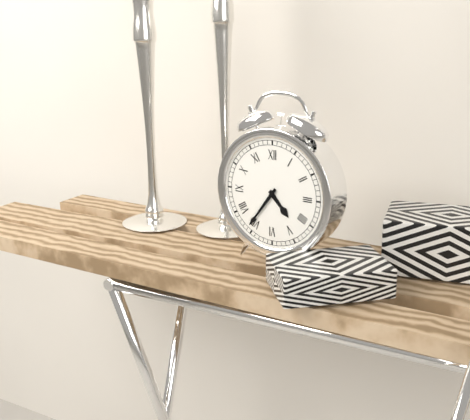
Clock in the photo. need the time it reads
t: 4:36
